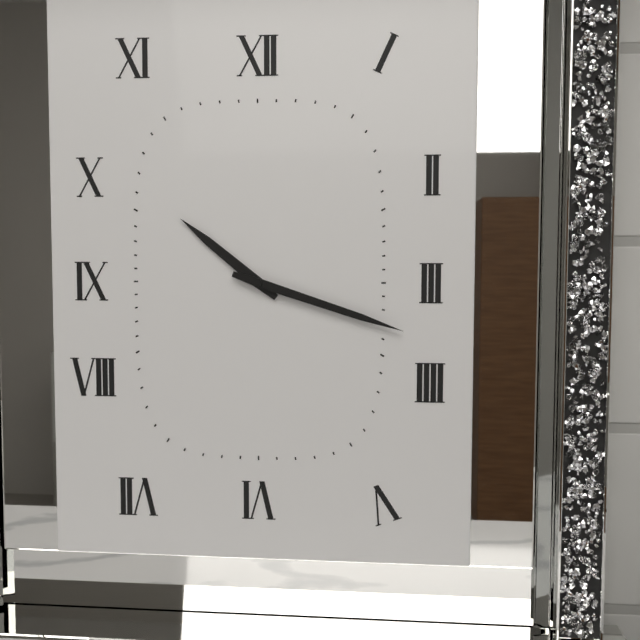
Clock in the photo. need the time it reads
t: 10:18
